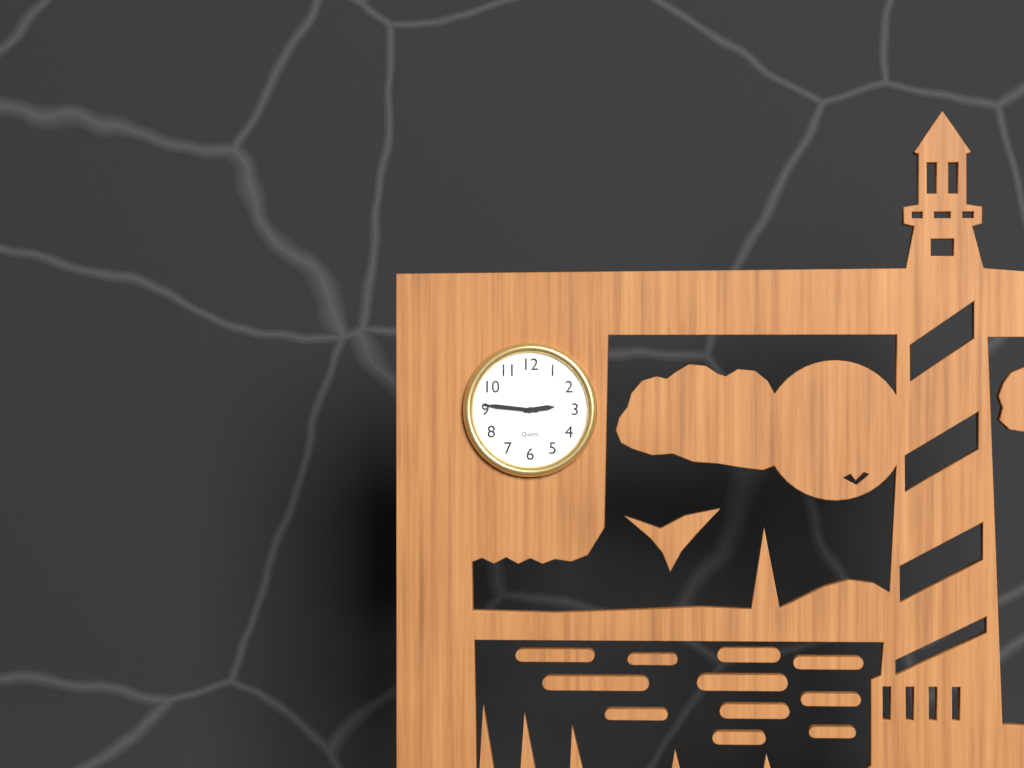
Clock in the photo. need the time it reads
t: 2:46
